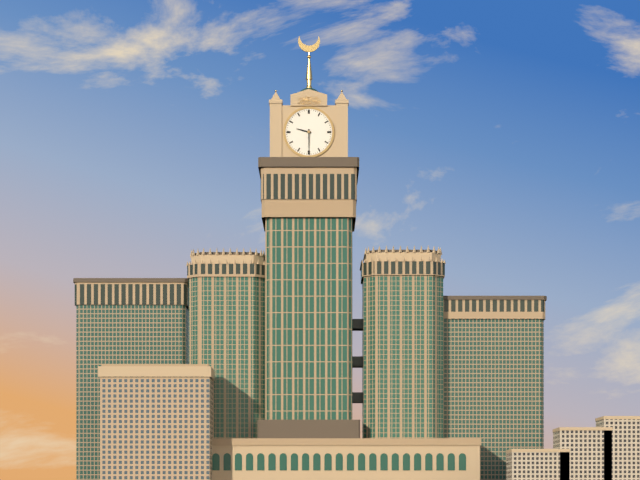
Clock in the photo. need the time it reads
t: 9:30
